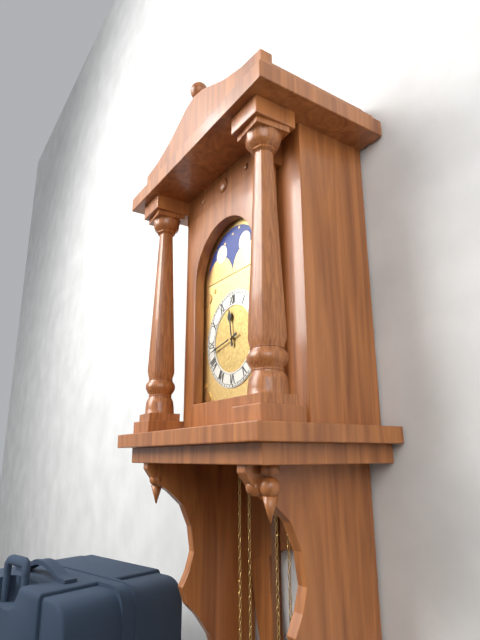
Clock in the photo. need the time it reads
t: 11:43
